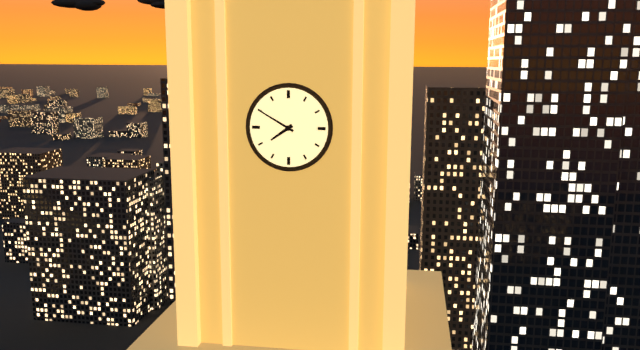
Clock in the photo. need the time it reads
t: 7:50
